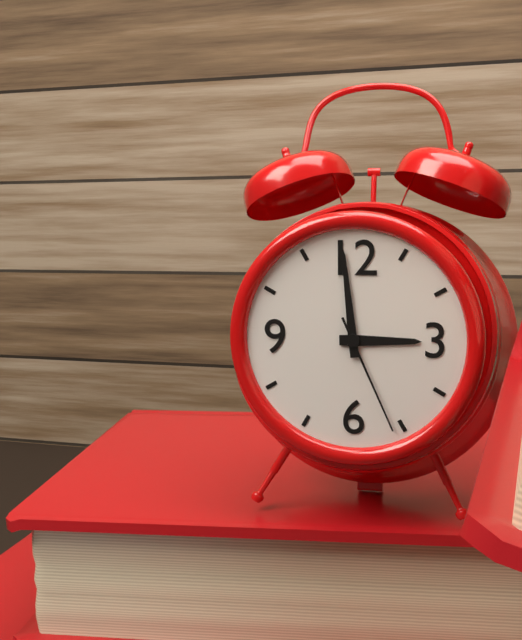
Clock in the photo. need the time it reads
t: 2:59:26
